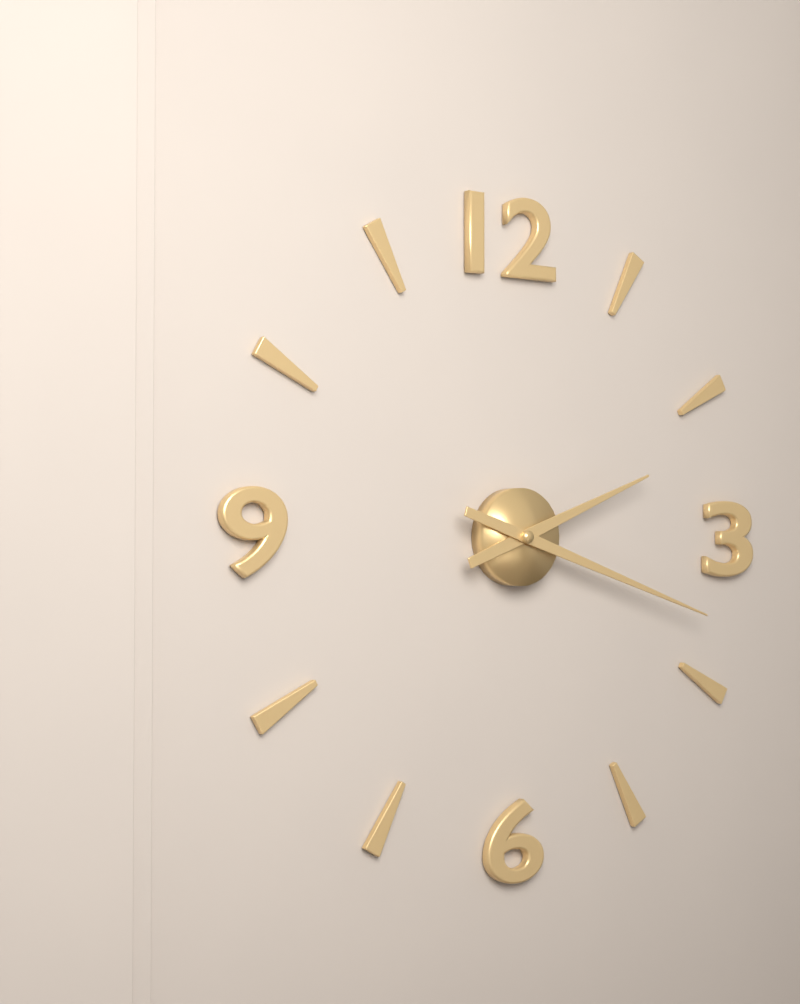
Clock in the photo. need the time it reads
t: 2:18
